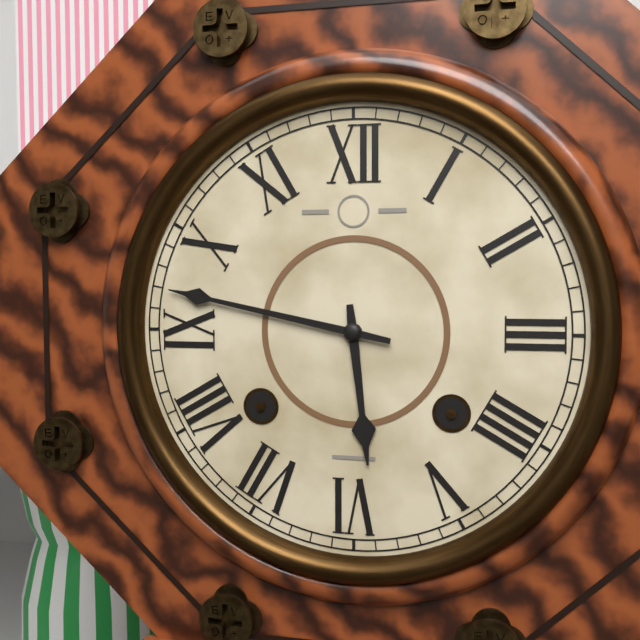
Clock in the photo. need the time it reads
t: 5:47
